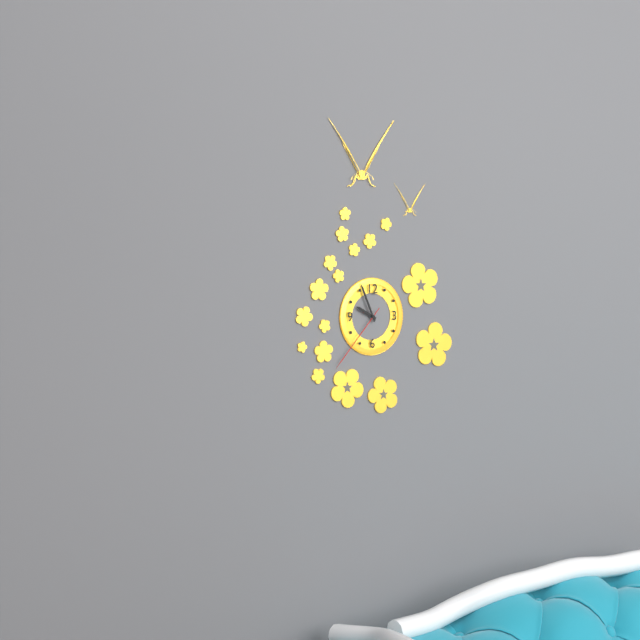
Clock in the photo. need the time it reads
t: 9:56:37
